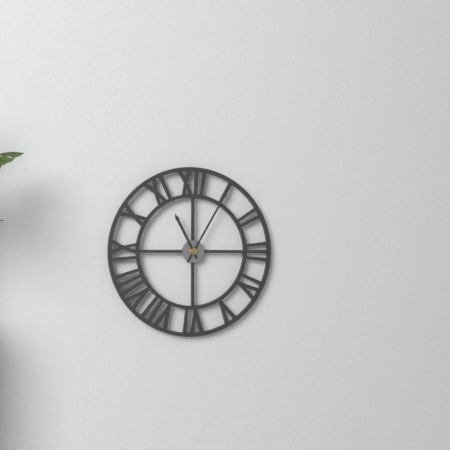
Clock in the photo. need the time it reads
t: 11:05
